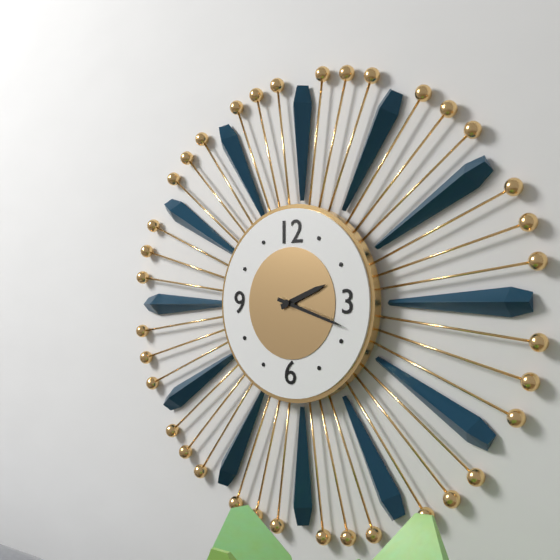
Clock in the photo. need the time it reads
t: 2:18
